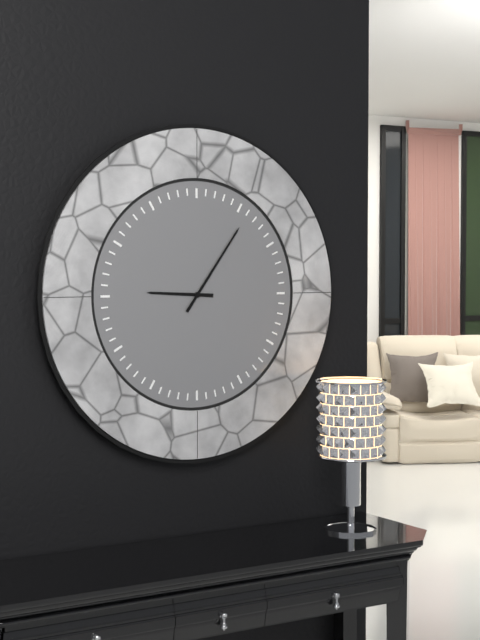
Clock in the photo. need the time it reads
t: 9:06
